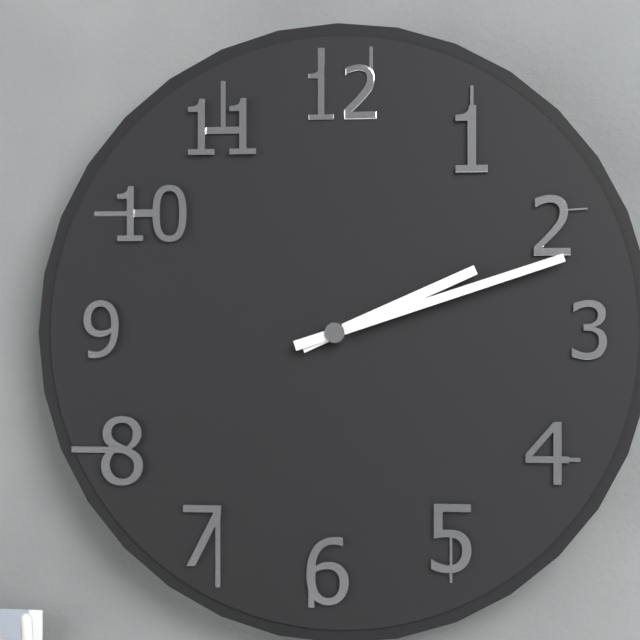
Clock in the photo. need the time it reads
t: 2:12
